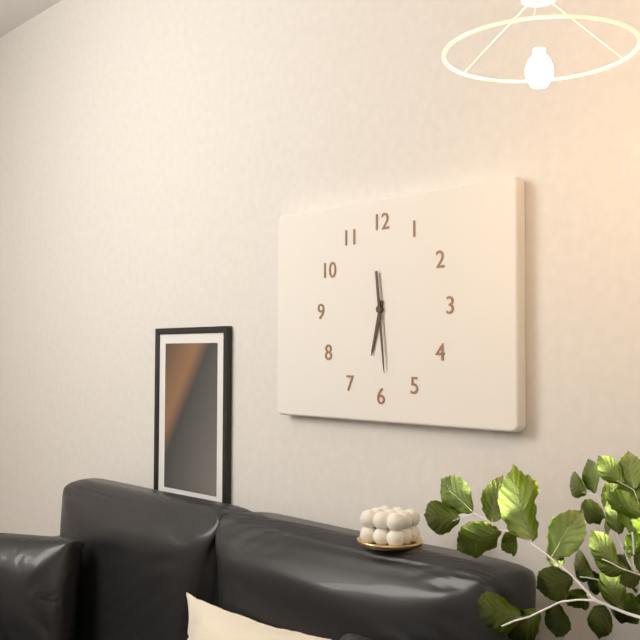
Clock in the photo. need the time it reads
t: 6:29
